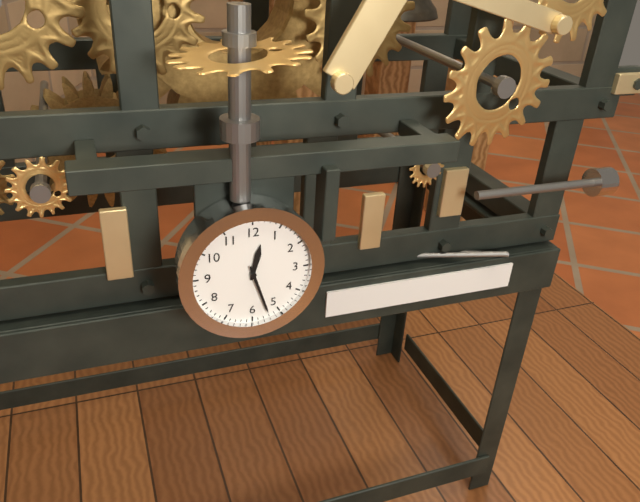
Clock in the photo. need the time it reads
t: 12:27
